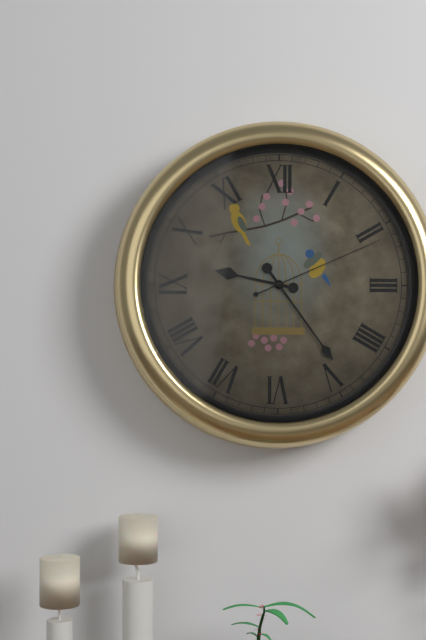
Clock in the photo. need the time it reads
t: 9:24:11
